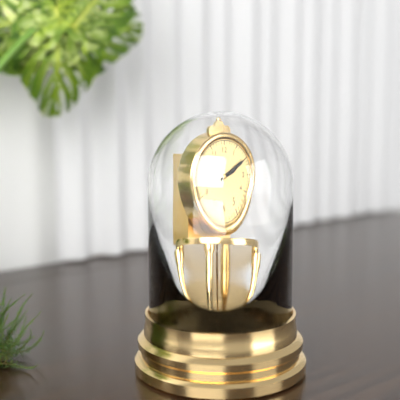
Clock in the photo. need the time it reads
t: 2:10
